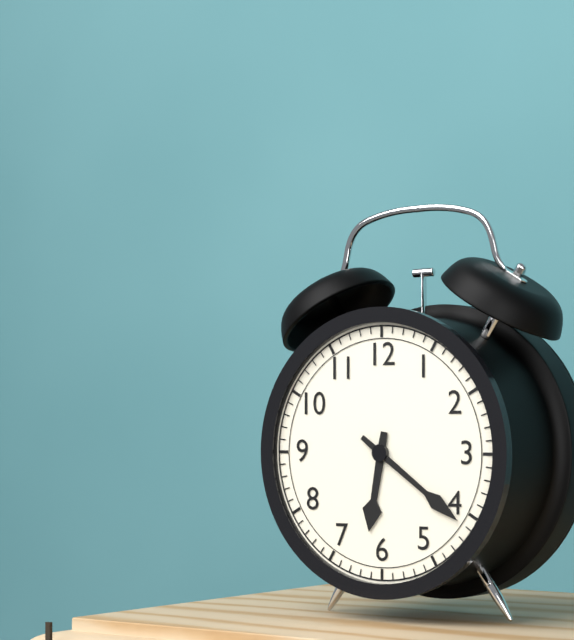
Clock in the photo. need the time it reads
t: 6:21
